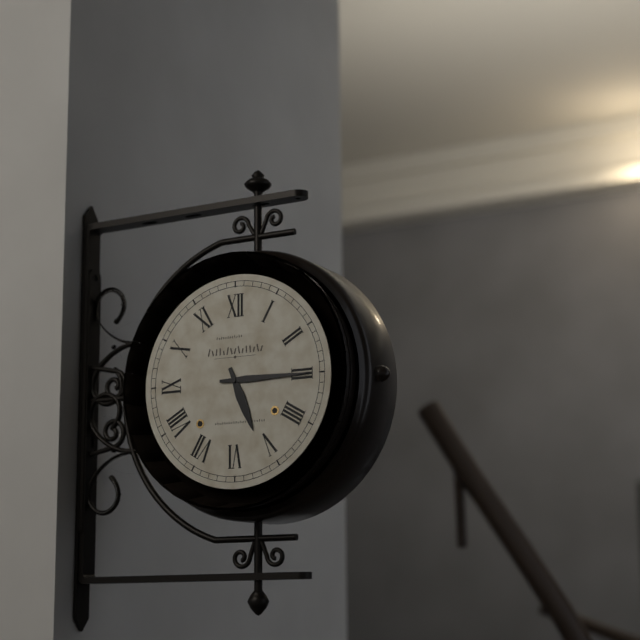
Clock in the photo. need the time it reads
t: 5:15
